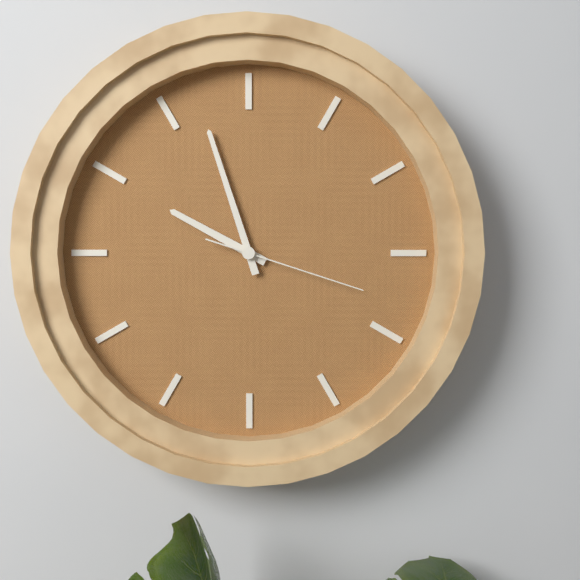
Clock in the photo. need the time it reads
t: 9:57:18
